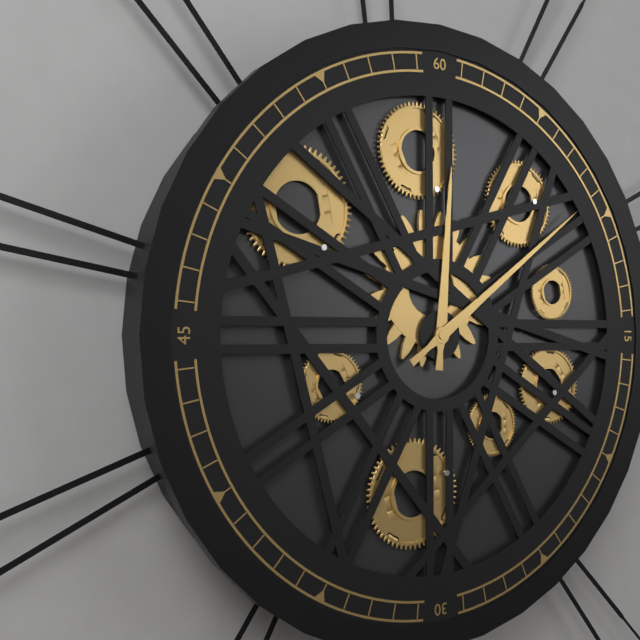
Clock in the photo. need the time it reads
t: 12:09
